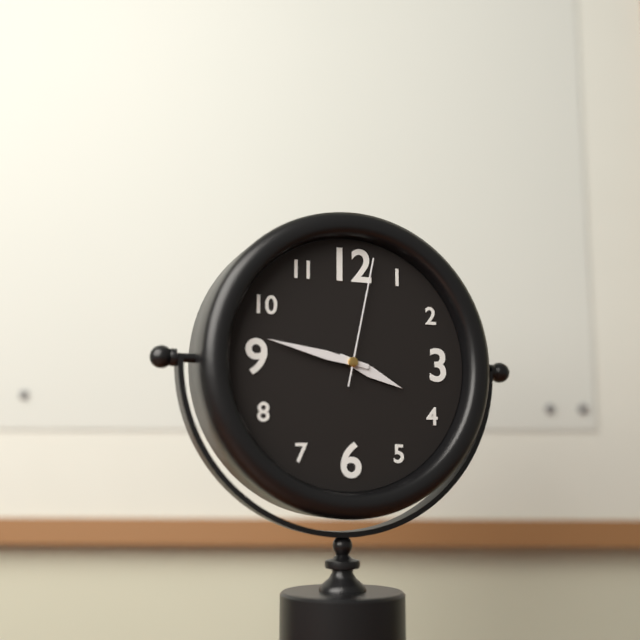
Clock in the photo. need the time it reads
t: 3:47:02
